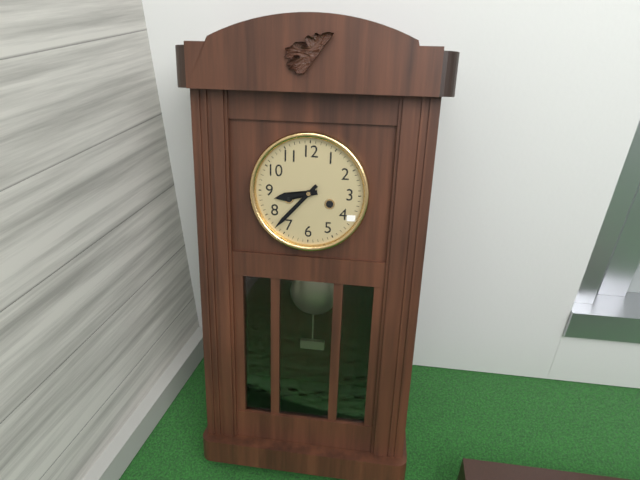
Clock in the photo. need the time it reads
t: 8:37
